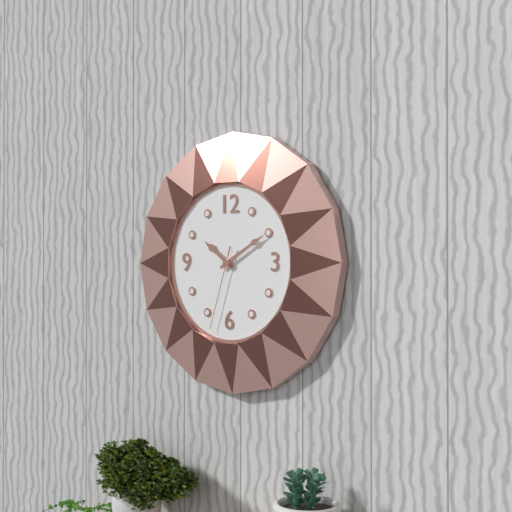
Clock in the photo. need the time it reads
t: 10:10:33
